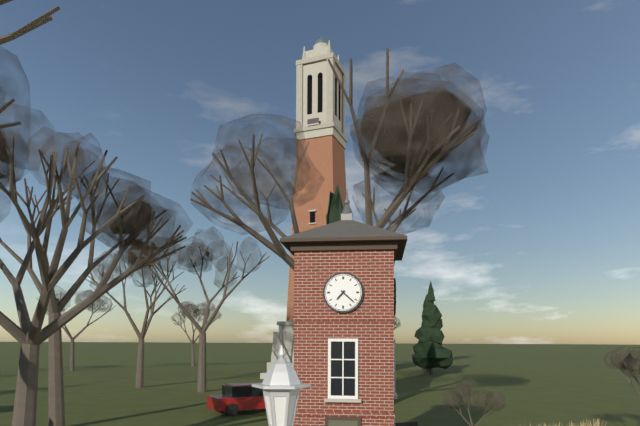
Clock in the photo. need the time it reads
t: 7:22
